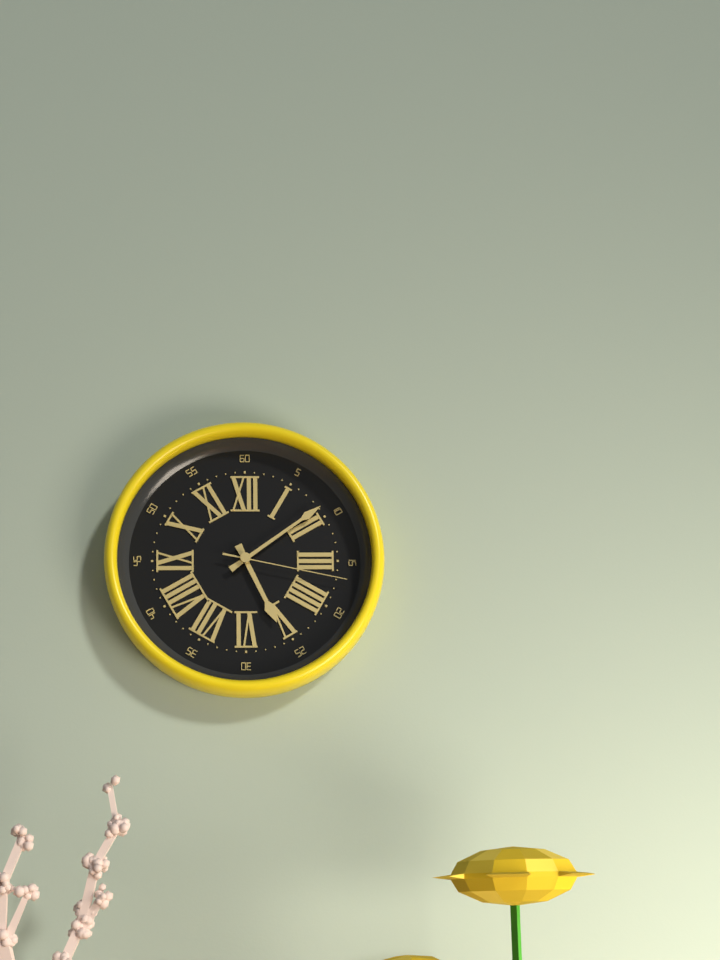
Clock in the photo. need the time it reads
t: 5:09:17
